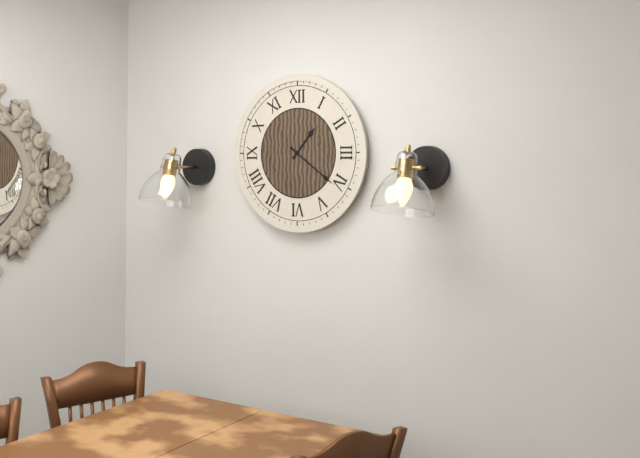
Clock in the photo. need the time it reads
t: 1:21
